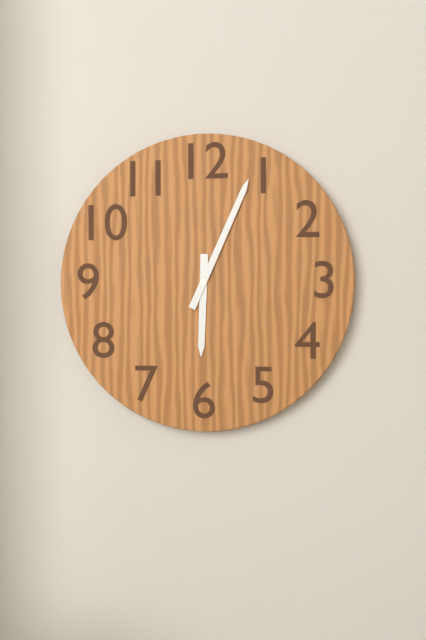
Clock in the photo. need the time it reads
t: 6:04
